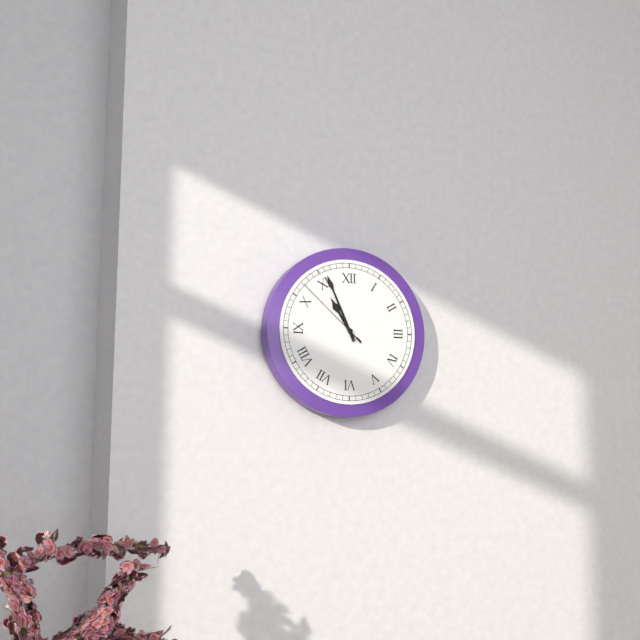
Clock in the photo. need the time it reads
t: 10:56:52
